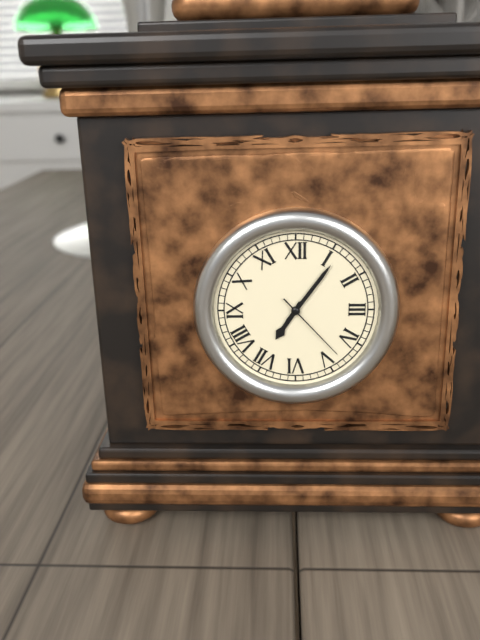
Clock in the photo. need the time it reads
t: 7:06:23
